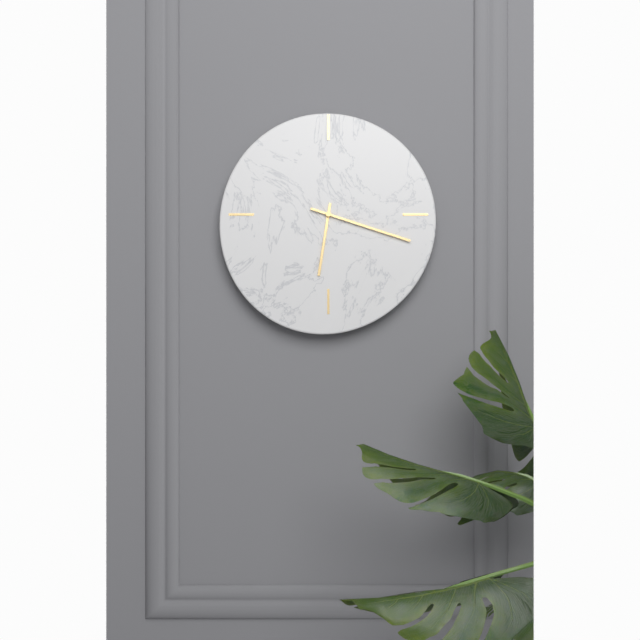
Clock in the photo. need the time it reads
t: 6:18
